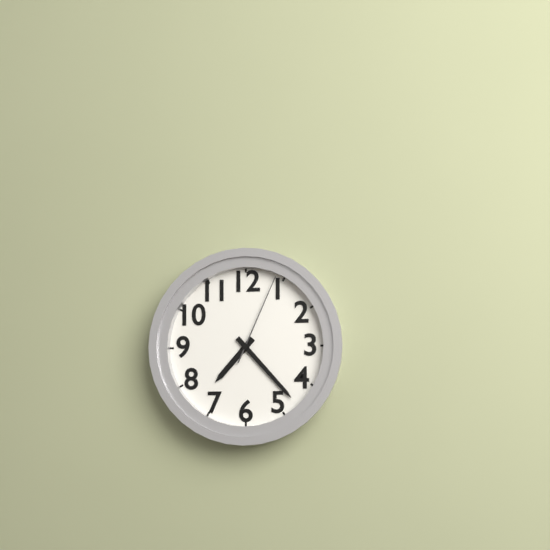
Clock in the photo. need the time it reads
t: 7:23:04
